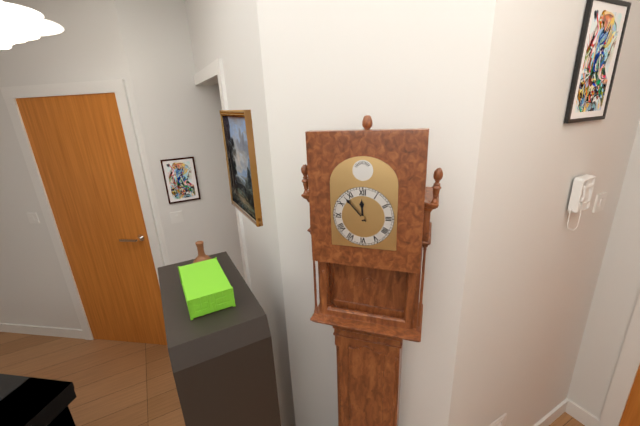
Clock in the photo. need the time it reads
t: 11:53
